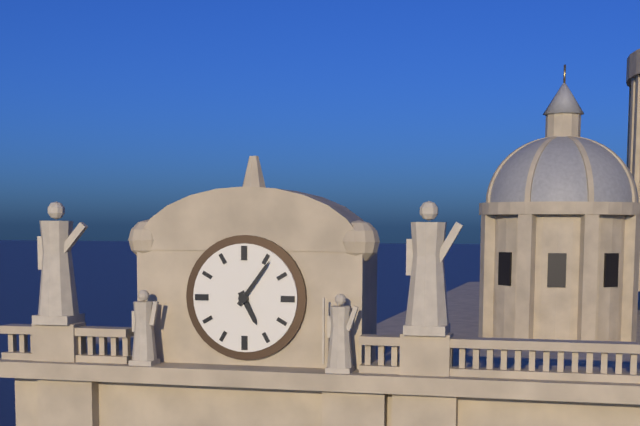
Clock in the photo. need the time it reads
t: 5:06
